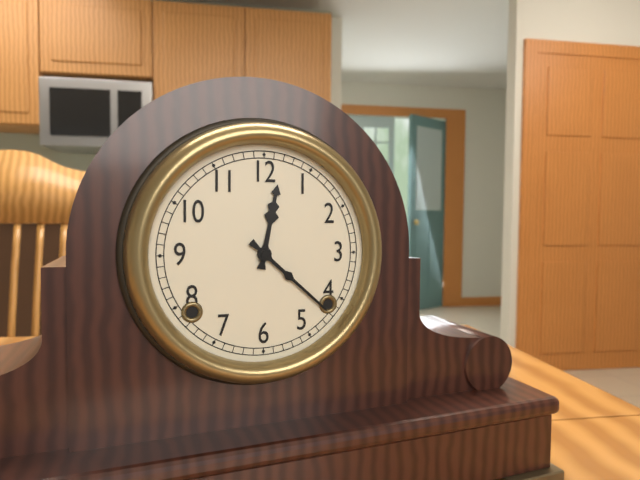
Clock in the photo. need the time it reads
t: 12:22
